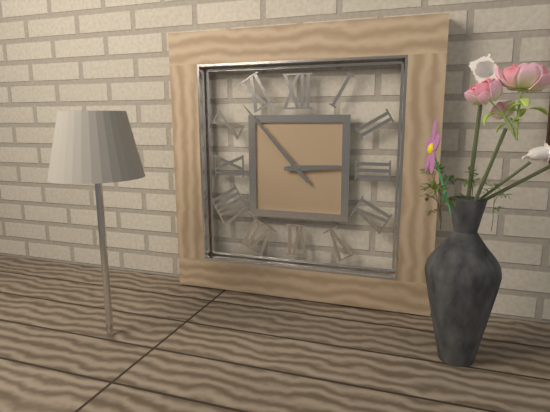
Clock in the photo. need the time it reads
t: 2:53
